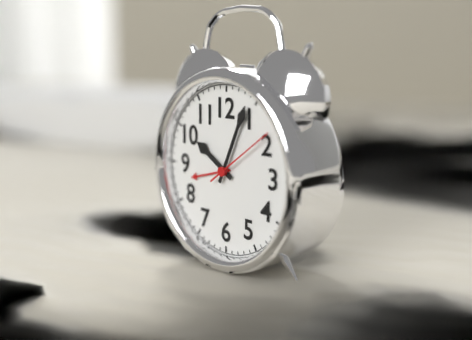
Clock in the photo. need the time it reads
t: 10:04:09
